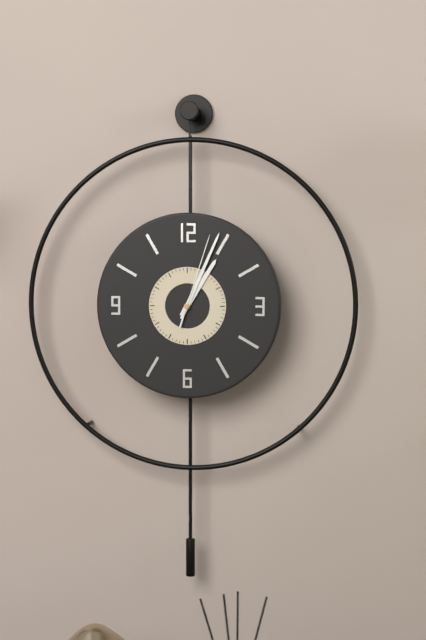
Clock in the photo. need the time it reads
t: 1:04:03
